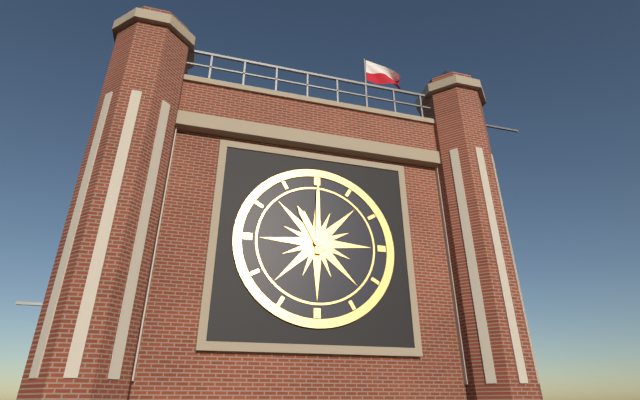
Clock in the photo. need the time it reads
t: 11:00
